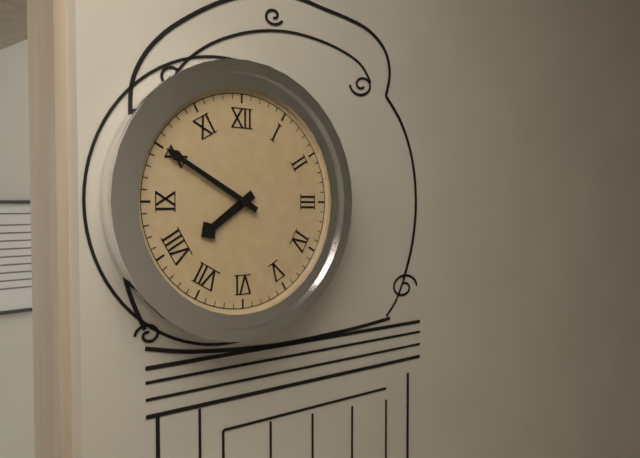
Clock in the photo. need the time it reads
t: 7:50
